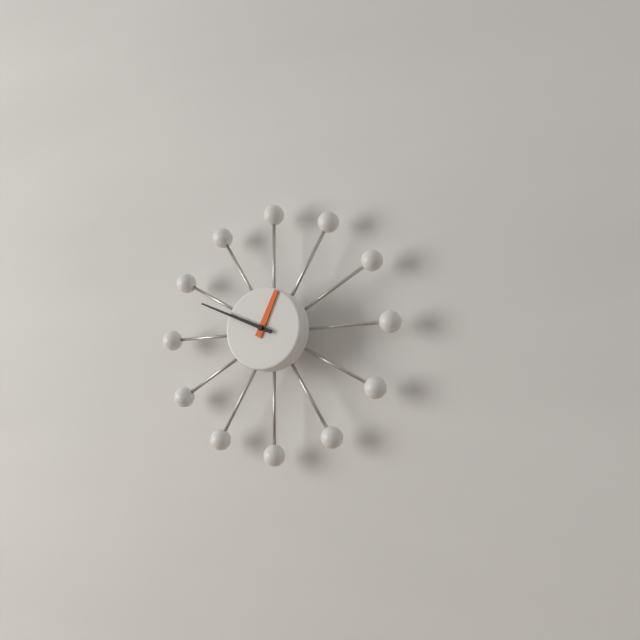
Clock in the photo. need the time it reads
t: 12:49
